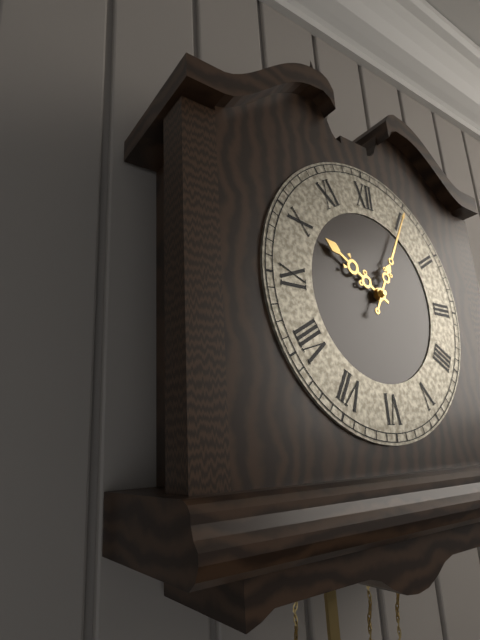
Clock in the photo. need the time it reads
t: 10:05
